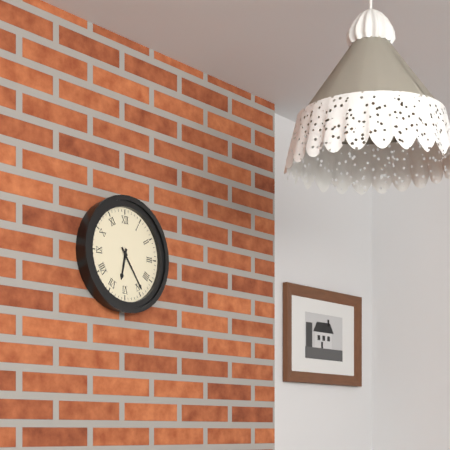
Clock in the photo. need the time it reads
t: 6:24
